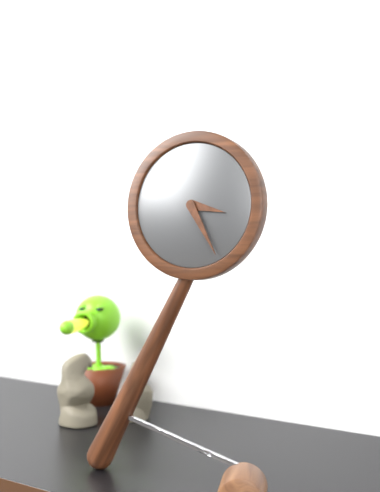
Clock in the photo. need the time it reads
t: 3:25
